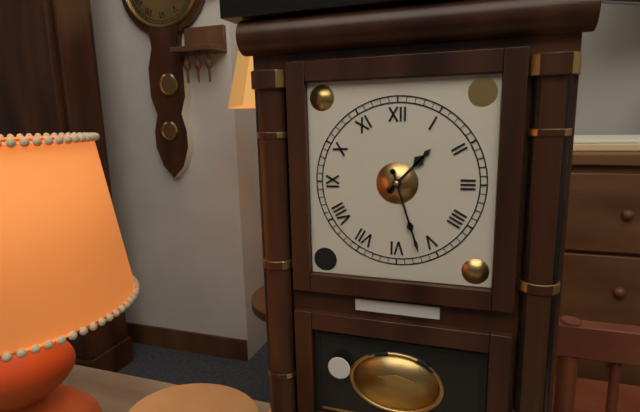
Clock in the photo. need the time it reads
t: 1:27
